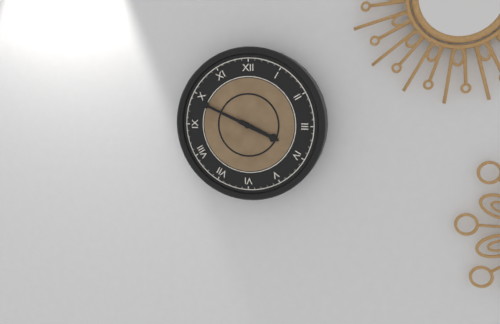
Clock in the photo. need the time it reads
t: 3:49
